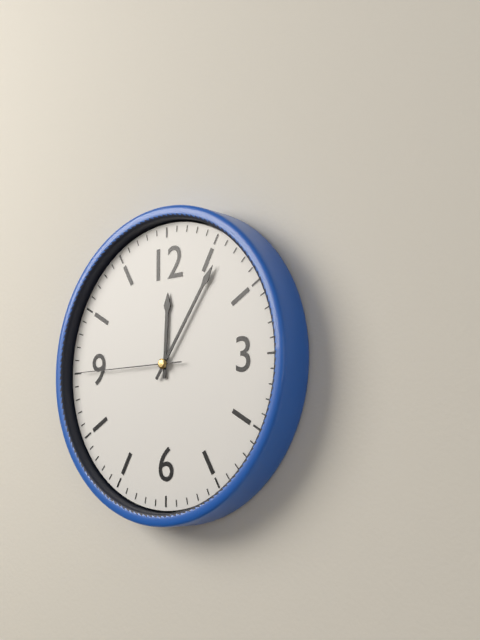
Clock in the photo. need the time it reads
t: 12:06:45
